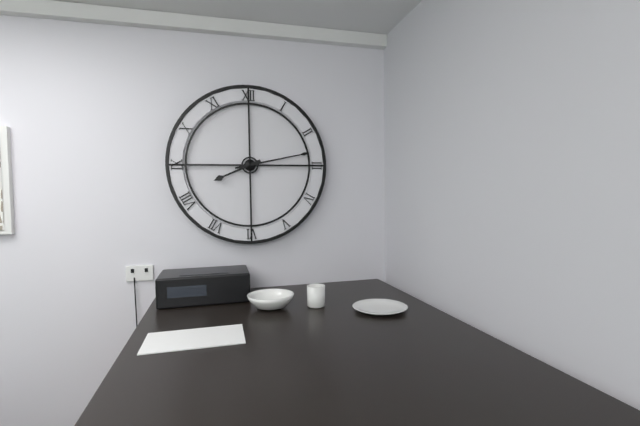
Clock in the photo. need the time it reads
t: 8:13
